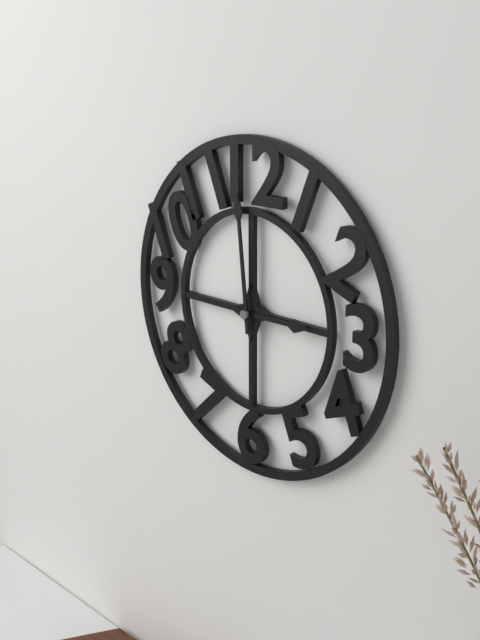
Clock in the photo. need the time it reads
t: 2:59
